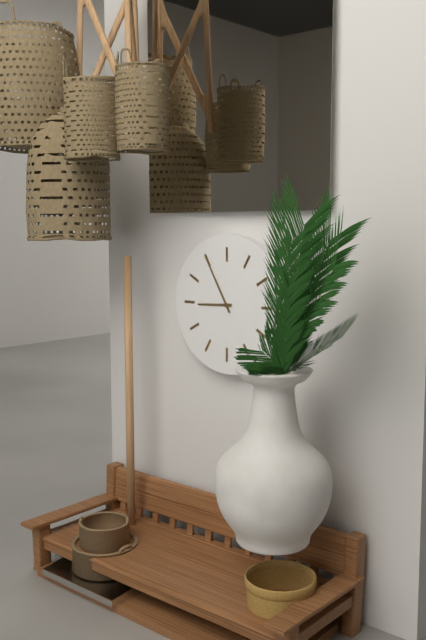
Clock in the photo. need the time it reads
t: 8:55
